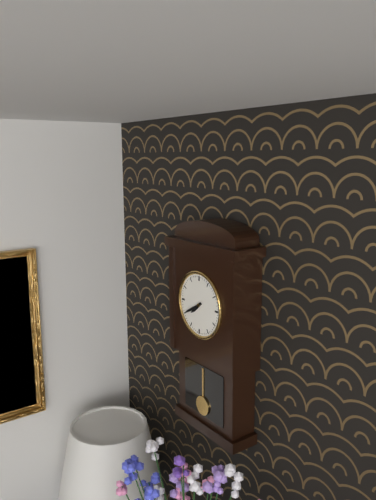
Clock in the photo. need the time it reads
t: 7:40
